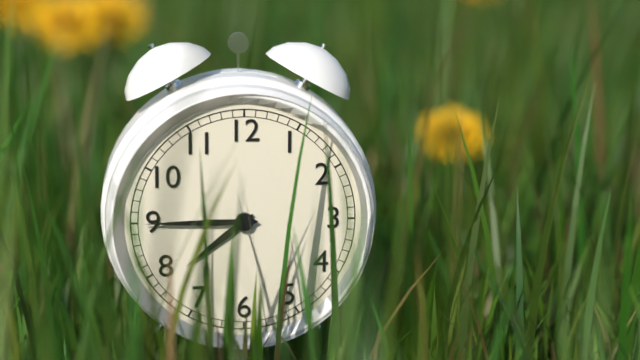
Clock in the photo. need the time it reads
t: 7:45
